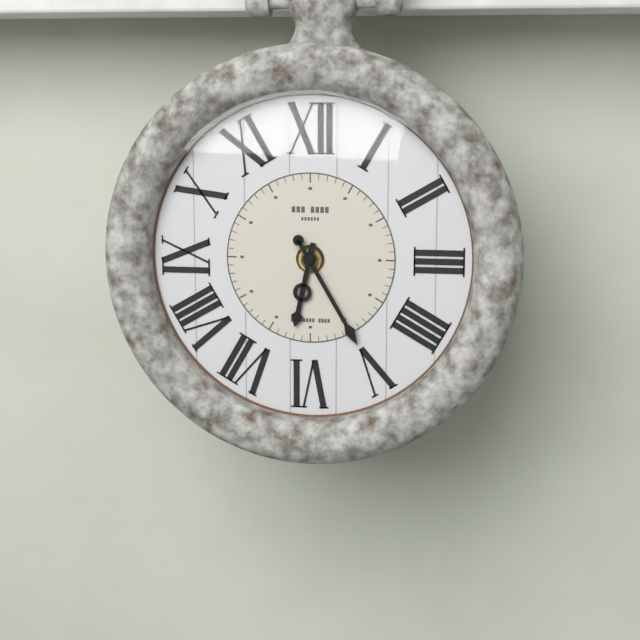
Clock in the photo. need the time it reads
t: 6:25
